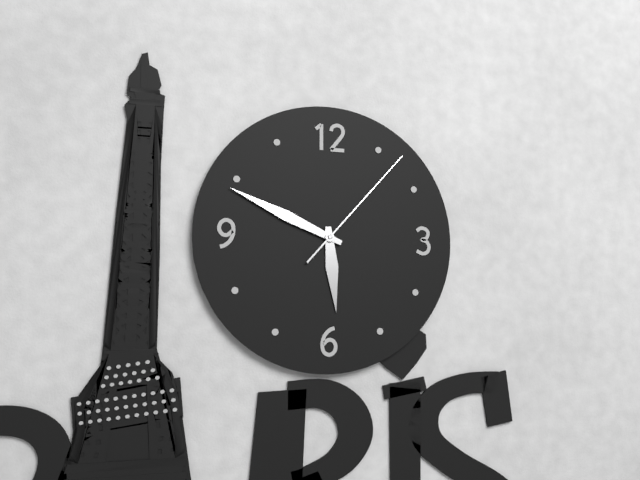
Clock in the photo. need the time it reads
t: 5:49:07
